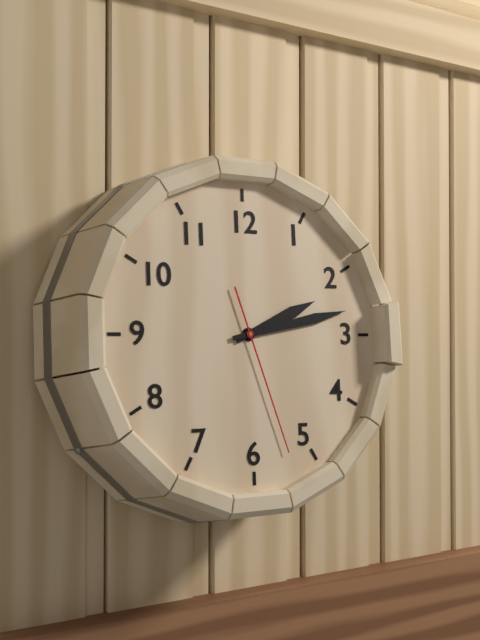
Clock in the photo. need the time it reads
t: 2:13:27
